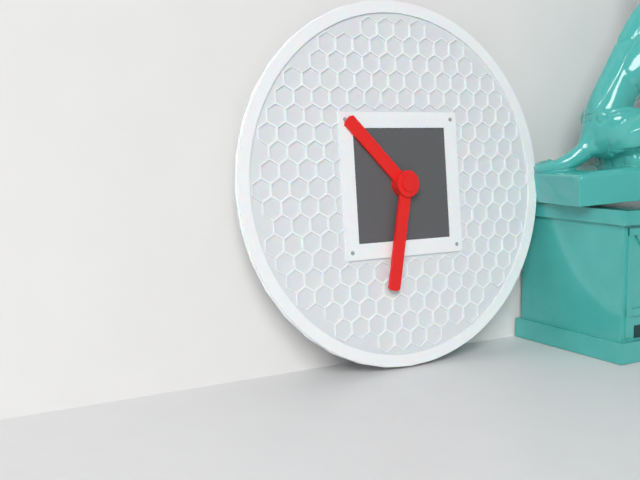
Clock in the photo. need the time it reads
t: 10:32
